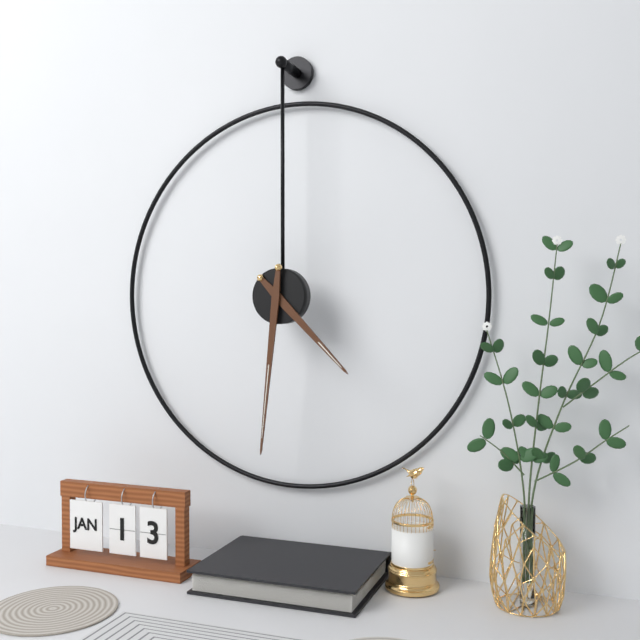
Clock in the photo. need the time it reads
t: 4:31
